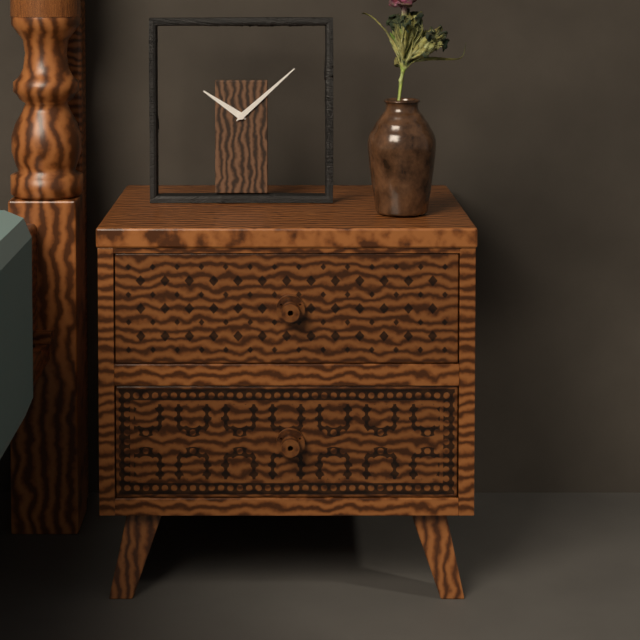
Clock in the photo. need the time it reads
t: 10:08
